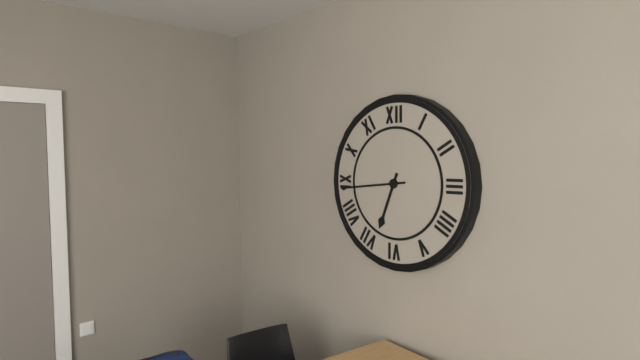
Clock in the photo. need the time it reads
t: 6:44
